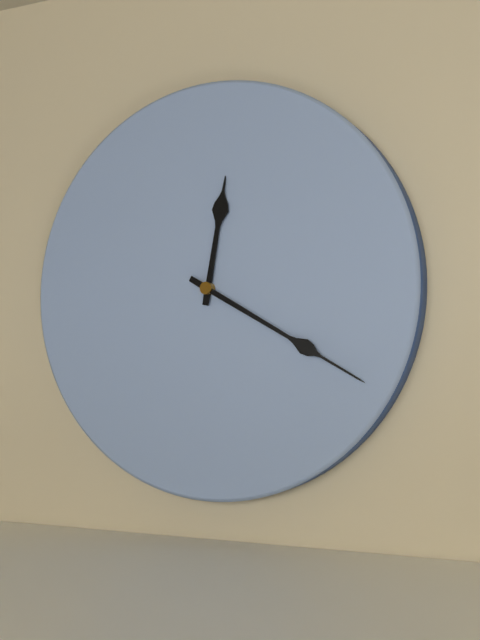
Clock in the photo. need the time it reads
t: 12:20
